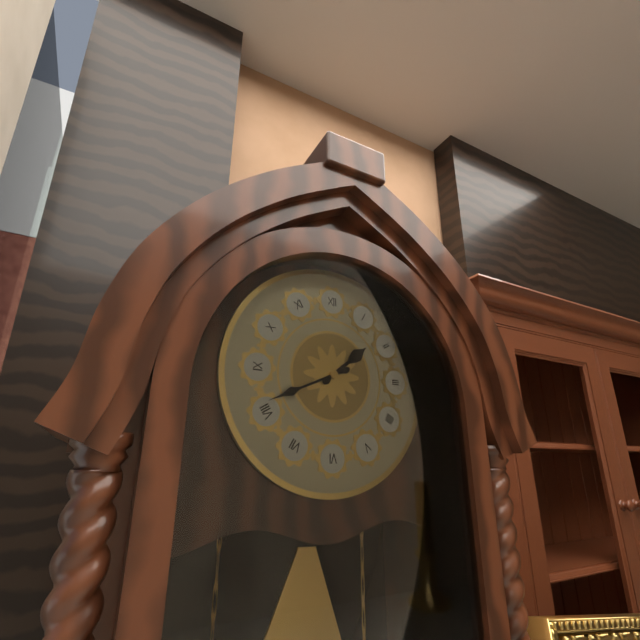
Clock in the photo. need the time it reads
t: 1:41
